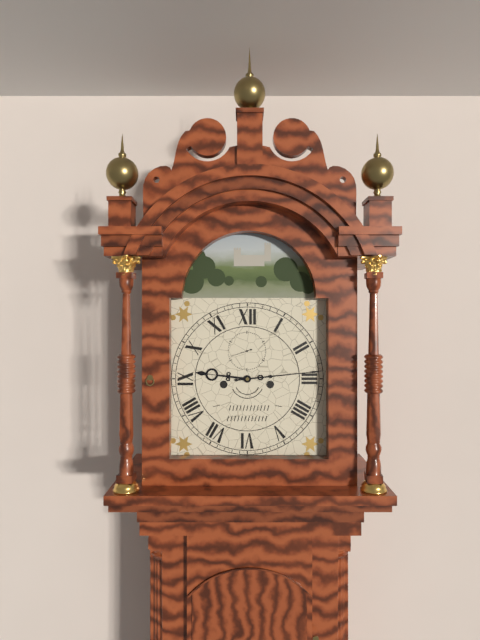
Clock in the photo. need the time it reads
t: 9:14
